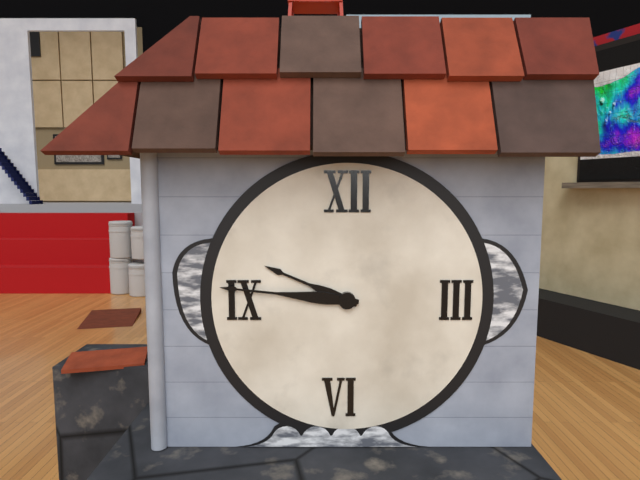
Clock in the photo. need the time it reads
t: 9:46
